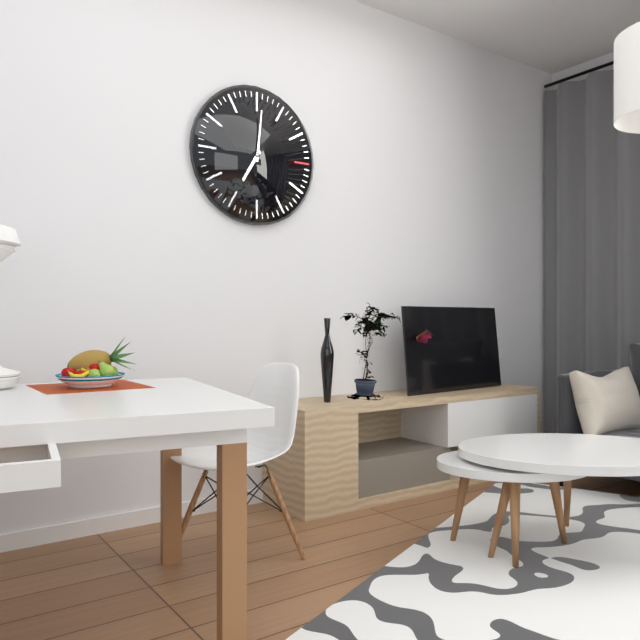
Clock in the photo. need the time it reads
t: 7:01
